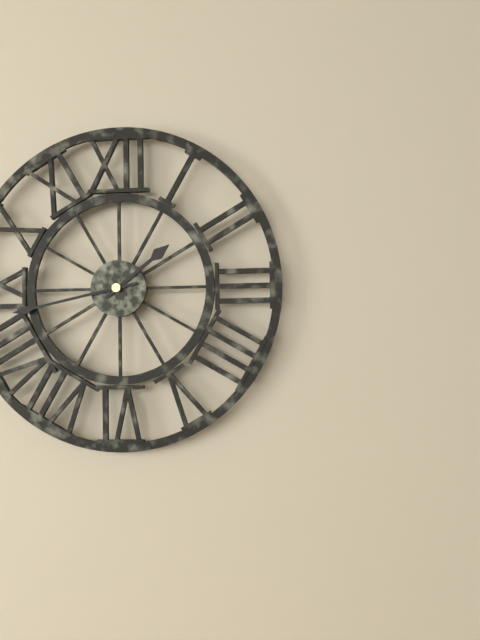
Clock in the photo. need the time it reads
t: 1:43
